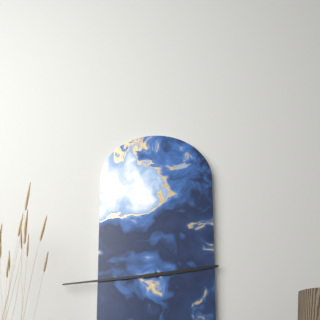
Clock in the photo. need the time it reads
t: 2:44
